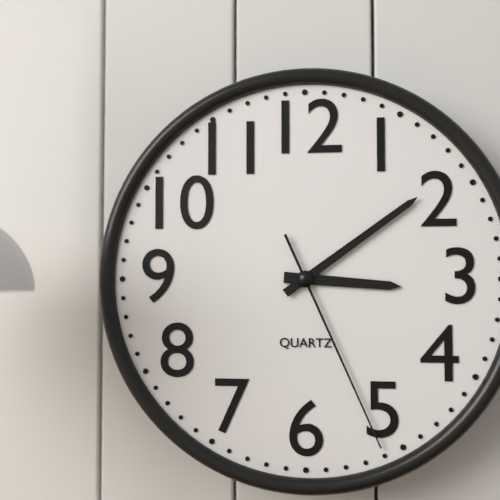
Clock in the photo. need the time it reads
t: 3:09:26
